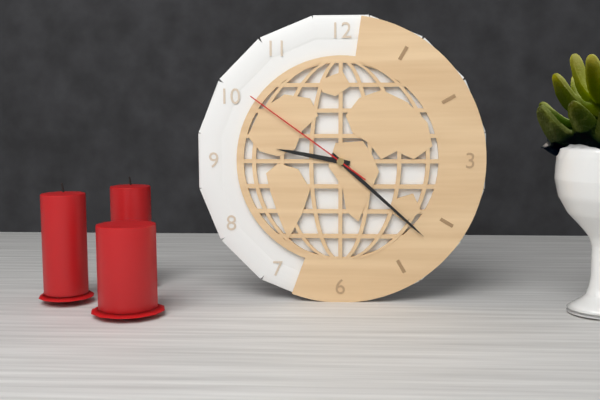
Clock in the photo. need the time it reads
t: 9:22:51
